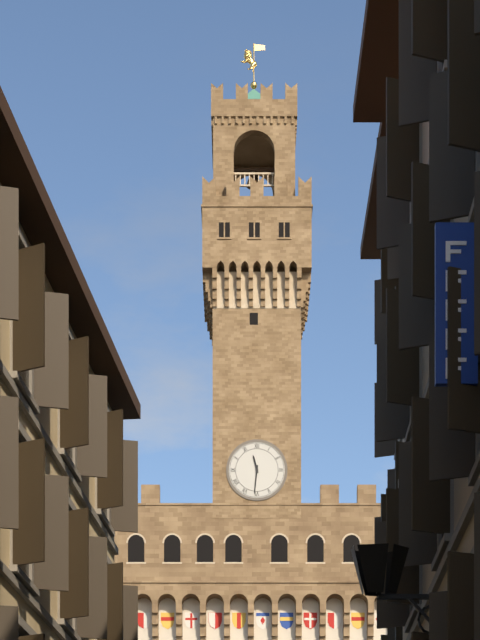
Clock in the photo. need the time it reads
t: 11:31
